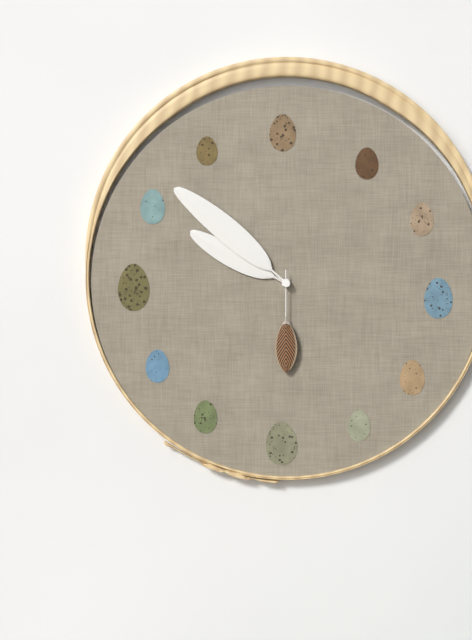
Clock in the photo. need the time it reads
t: 9:52:30
